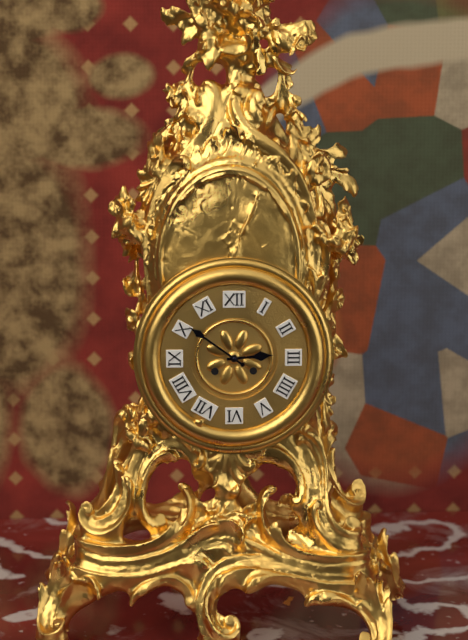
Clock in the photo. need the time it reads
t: 2:51
